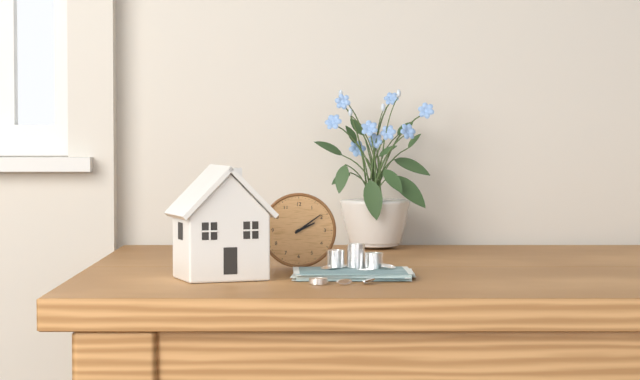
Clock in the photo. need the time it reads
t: 2:09
